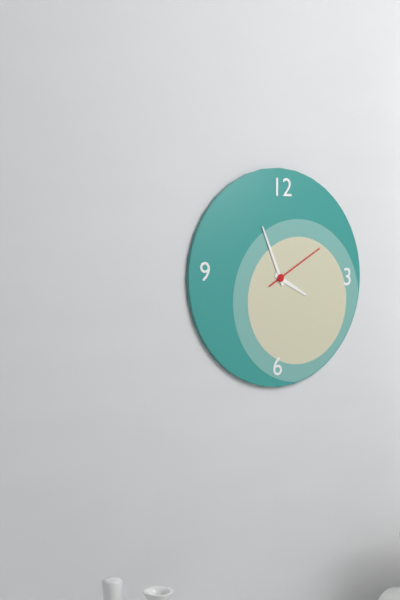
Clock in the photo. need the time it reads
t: 3:56:10
